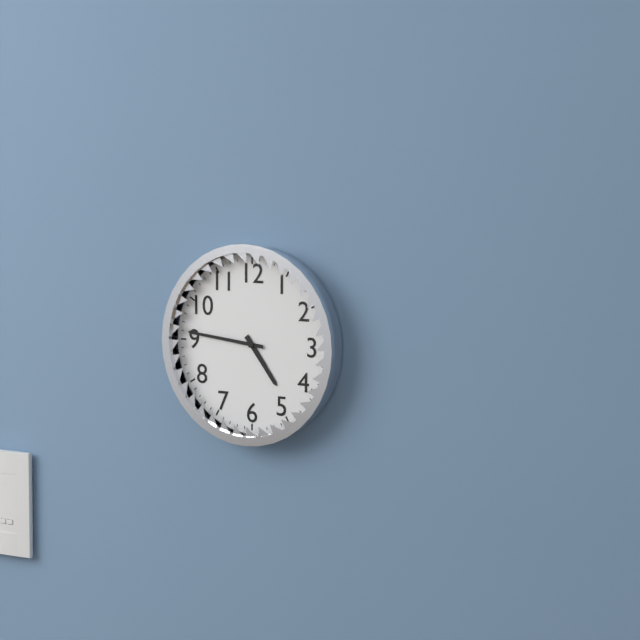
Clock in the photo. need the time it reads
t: 4:46
